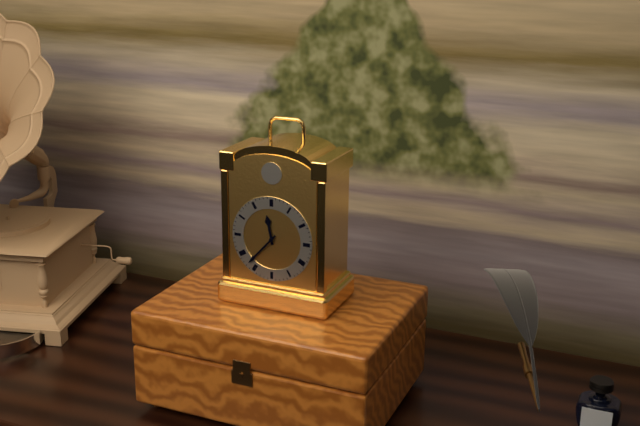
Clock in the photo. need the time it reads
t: 11:37
